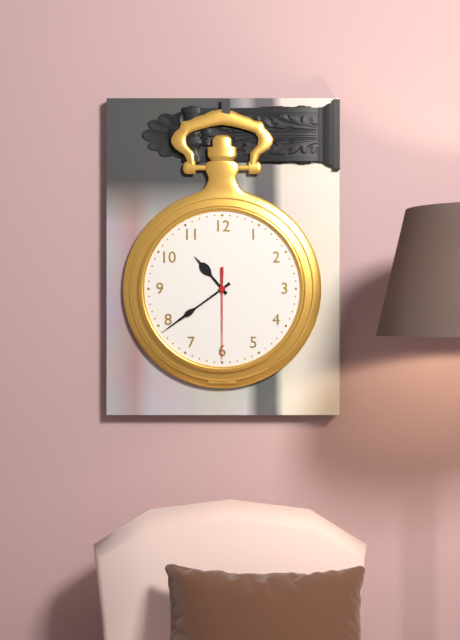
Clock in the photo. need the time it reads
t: 10:39:30
